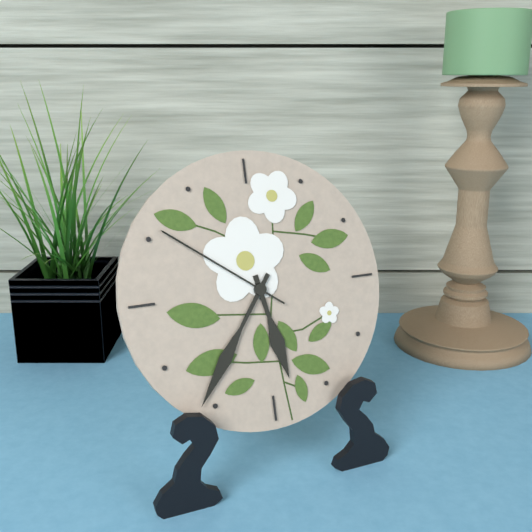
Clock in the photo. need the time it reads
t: 5:36:51
